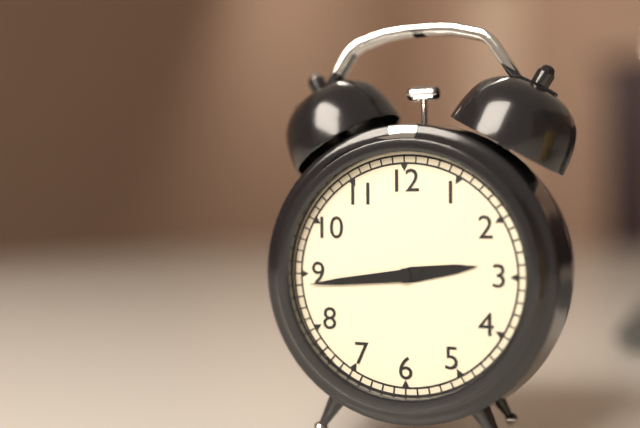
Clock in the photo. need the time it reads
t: 2:44
